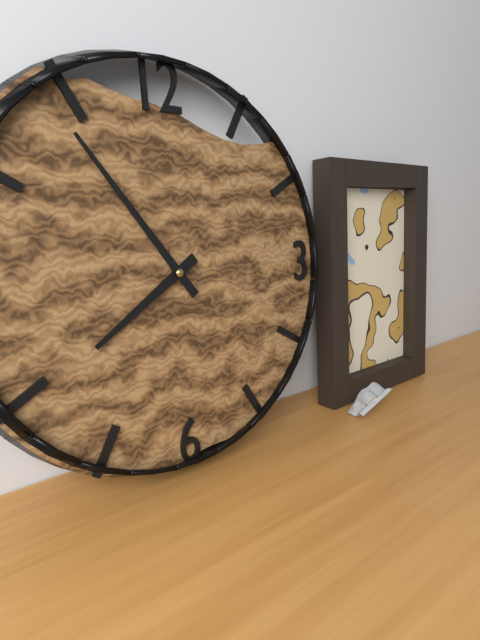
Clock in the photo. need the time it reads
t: 7:54
